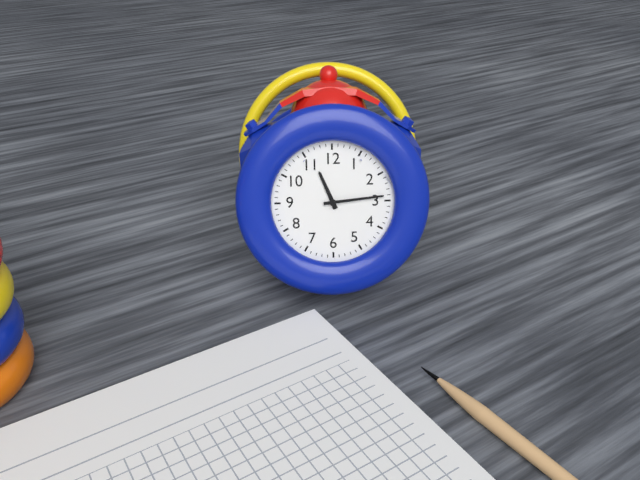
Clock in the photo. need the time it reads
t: 11:14
